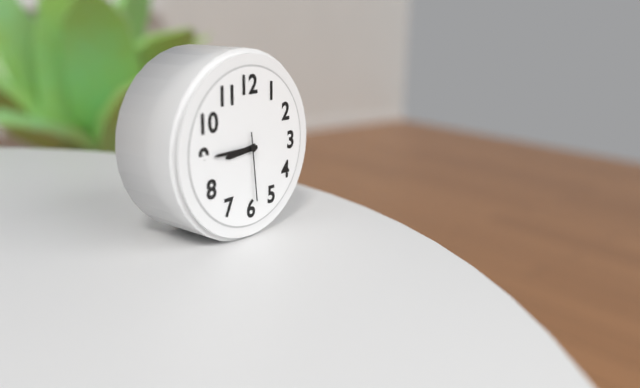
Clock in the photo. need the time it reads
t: 8:45:29
